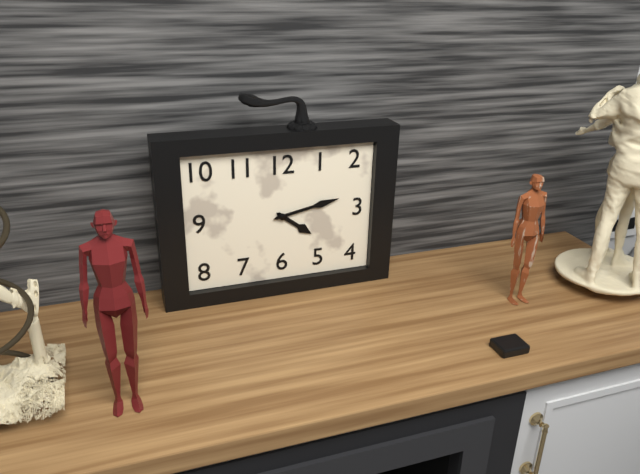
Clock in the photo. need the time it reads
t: 4:13
